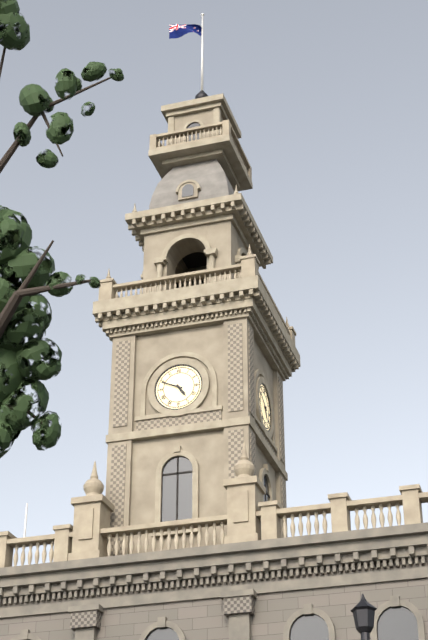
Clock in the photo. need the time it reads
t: 4:49
